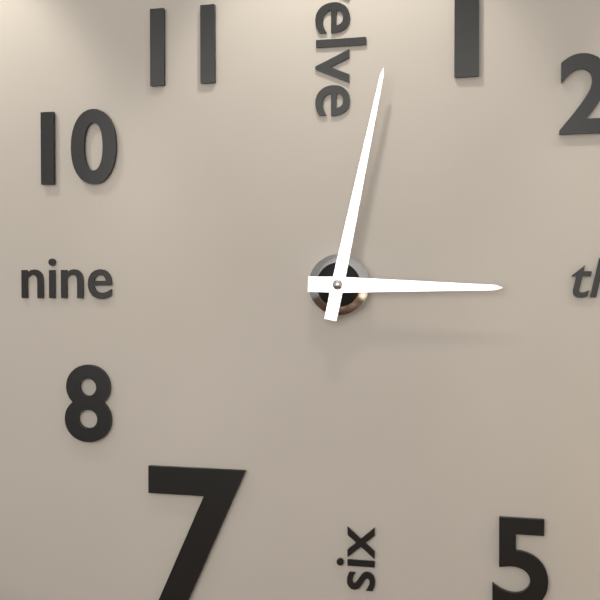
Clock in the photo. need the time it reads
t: 3:02
